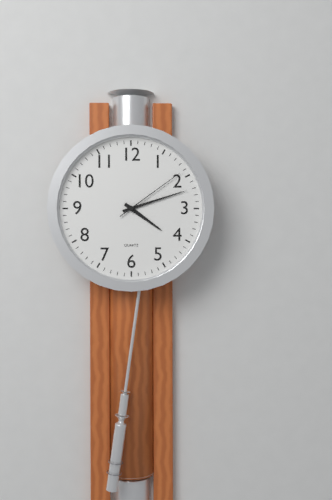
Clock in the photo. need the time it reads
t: 4:12:09
